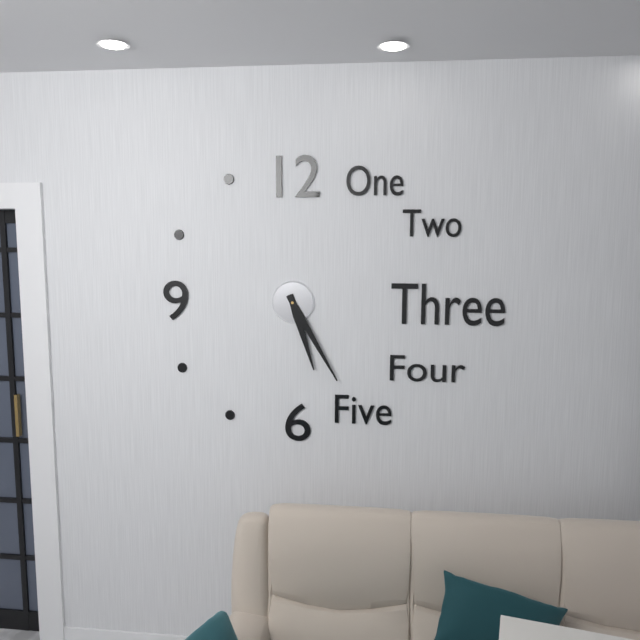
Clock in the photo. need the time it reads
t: 5:25
